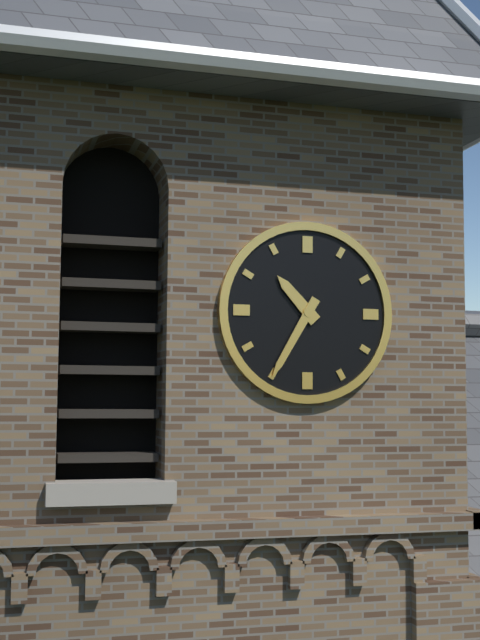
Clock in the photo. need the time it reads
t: 10:35
